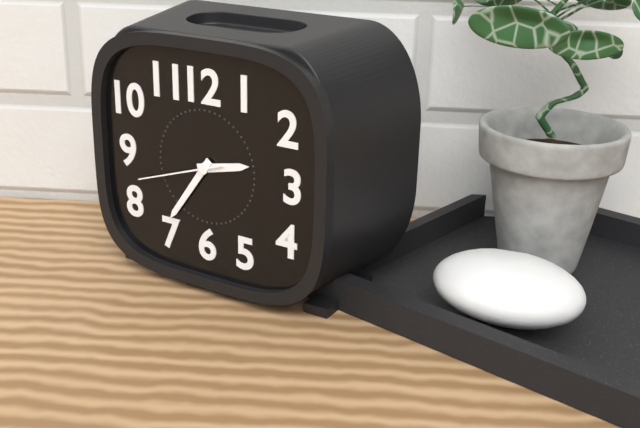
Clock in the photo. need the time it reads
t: 2:36:42
